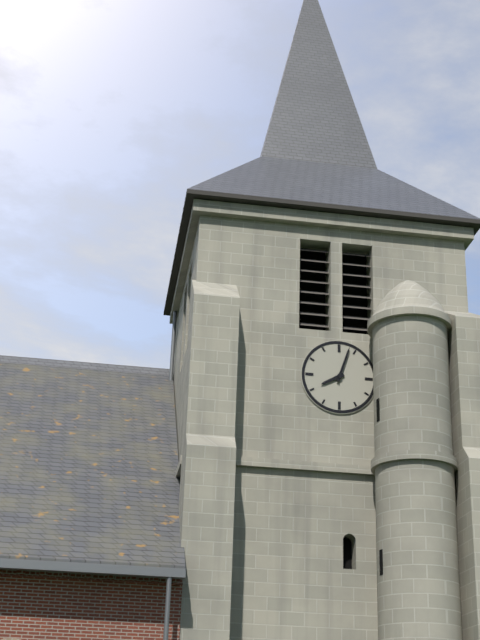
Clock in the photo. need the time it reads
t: 8:03
